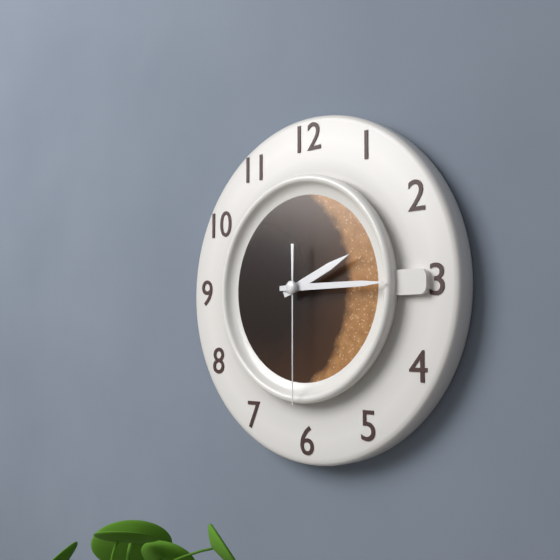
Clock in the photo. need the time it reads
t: 2:15:30
